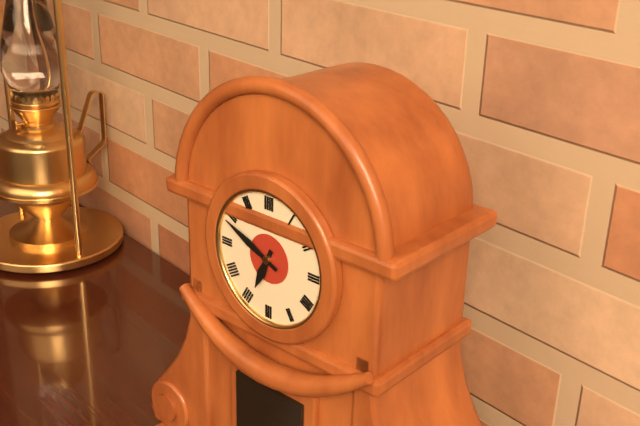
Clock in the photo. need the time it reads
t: 6:49
